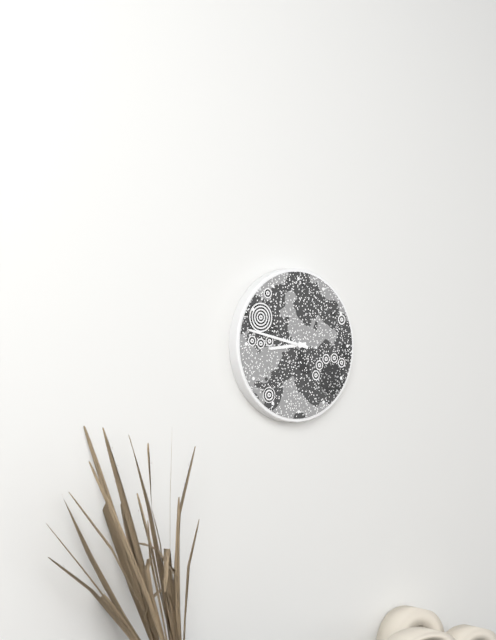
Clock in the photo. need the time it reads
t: 8:47
